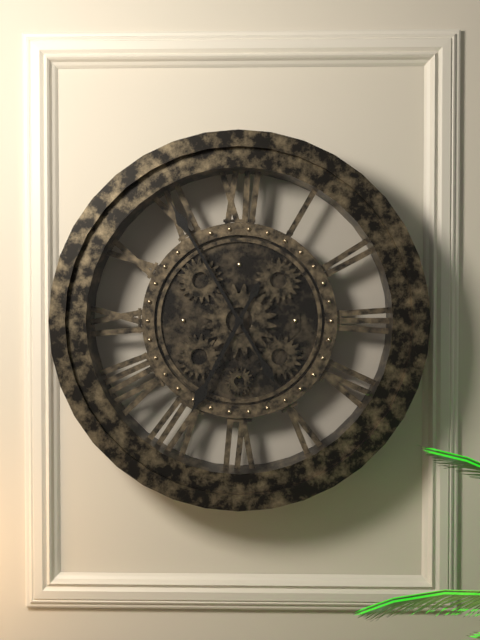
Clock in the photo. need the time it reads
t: 6:55
